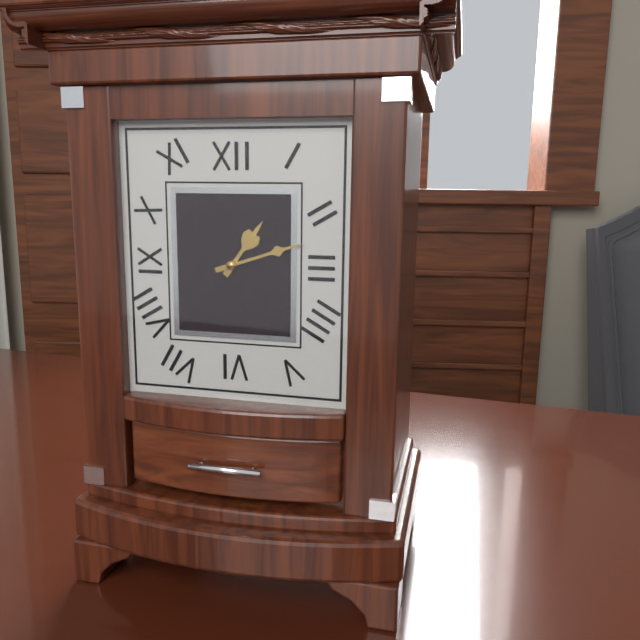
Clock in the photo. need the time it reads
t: 1:12
